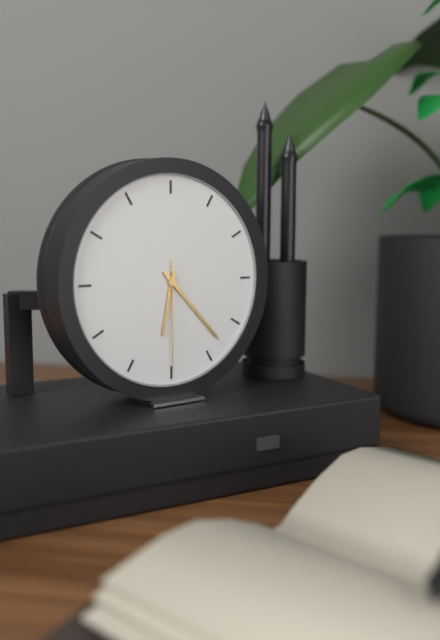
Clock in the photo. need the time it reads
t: 6:23:30
